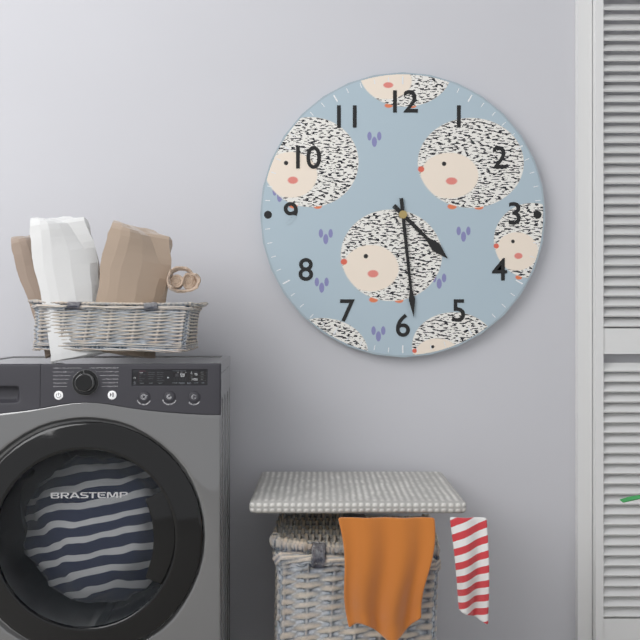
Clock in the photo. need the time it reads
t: 4:29
